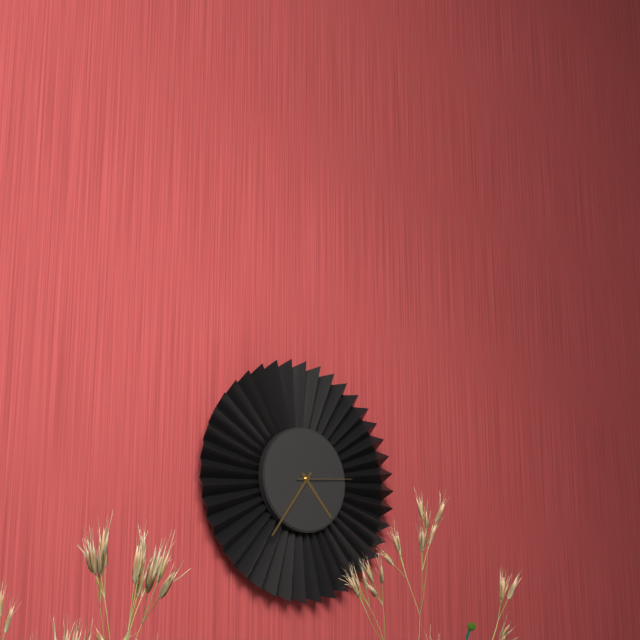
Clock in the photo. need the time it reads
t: 4:36:14
